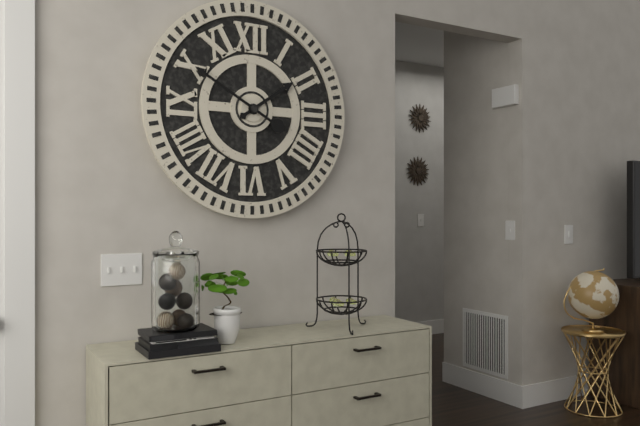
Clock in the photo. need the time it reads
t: 1:50
